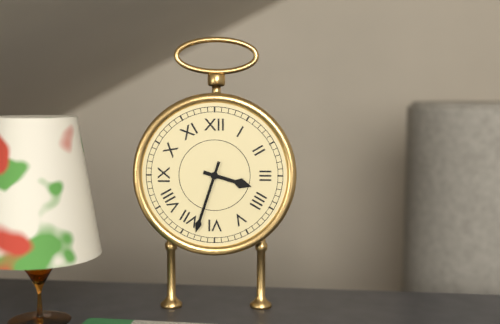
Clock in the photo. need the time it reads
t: 3:33
